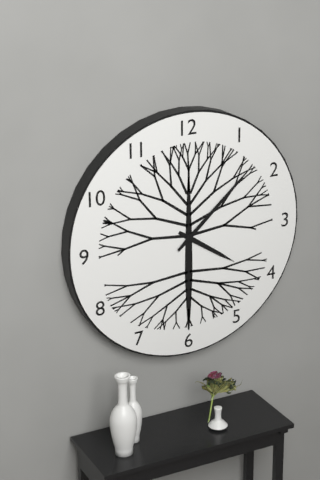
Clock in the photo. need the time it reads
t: 4:08
